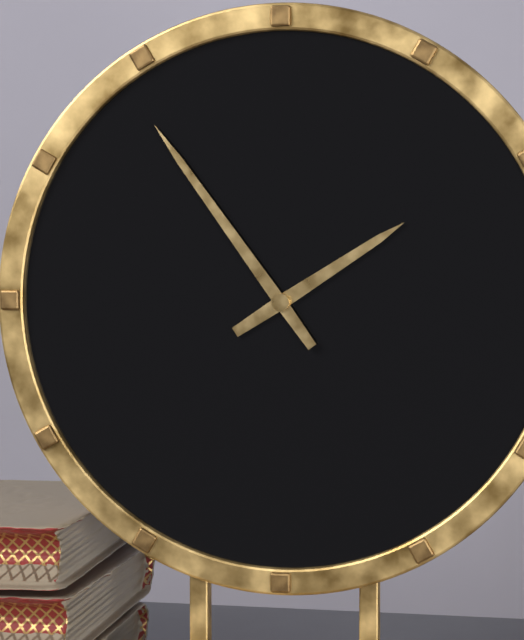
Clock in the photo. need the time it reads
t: 1:54
